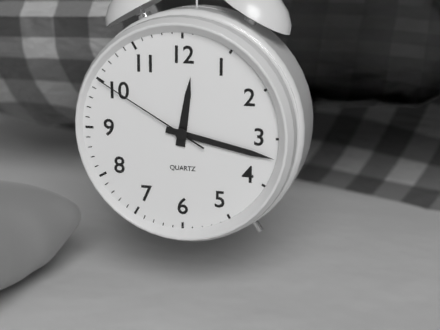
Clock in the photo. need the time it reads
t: 12:17:50
